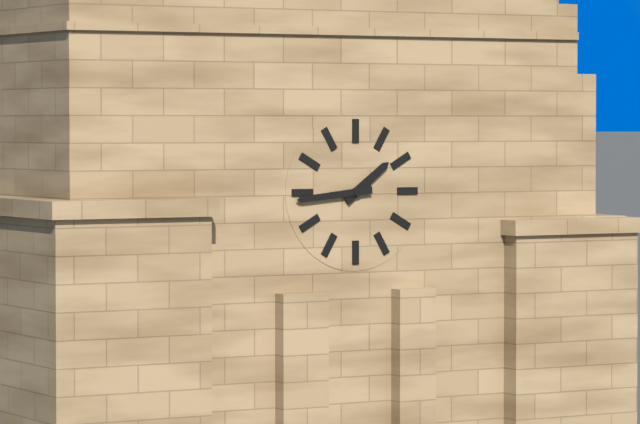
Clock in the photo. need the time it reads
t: 1:44
